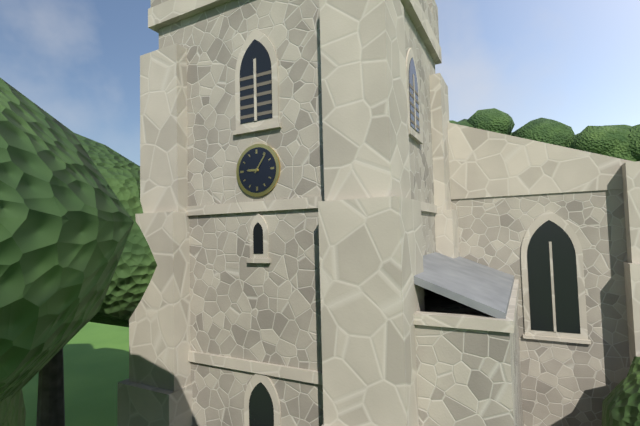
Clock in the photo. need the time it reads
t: 9:06
